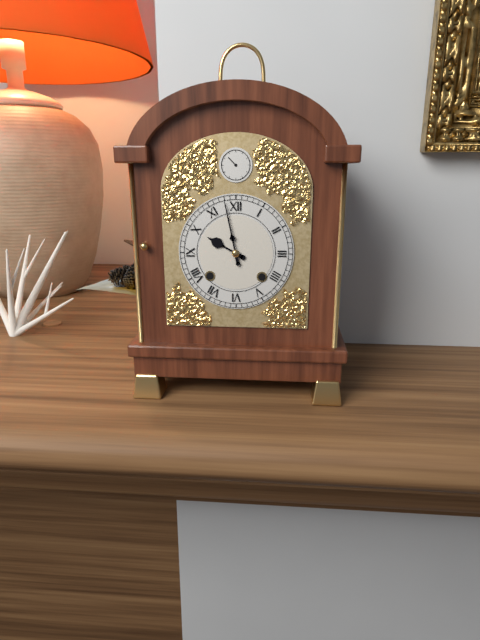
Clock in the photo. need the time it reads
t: 9:58
